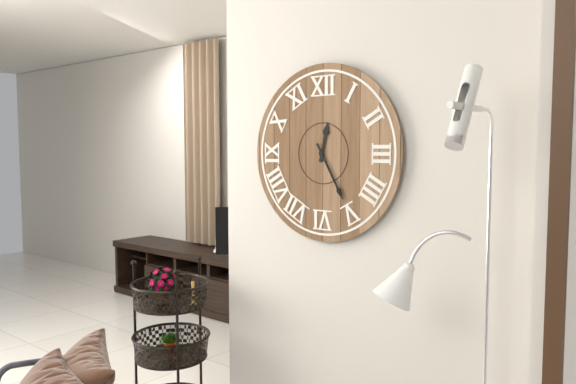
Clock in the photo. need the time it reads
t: 12:25
